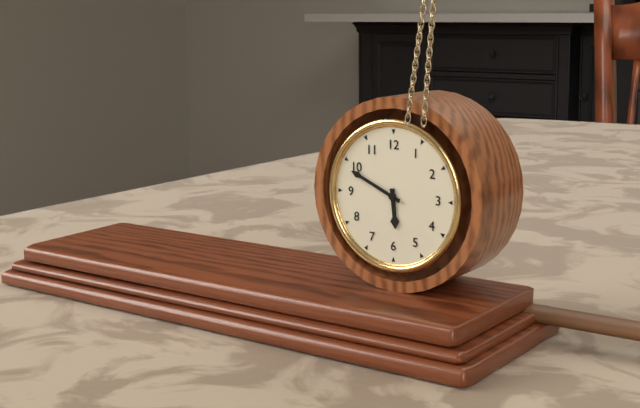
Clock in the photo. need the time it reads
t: 5:49
